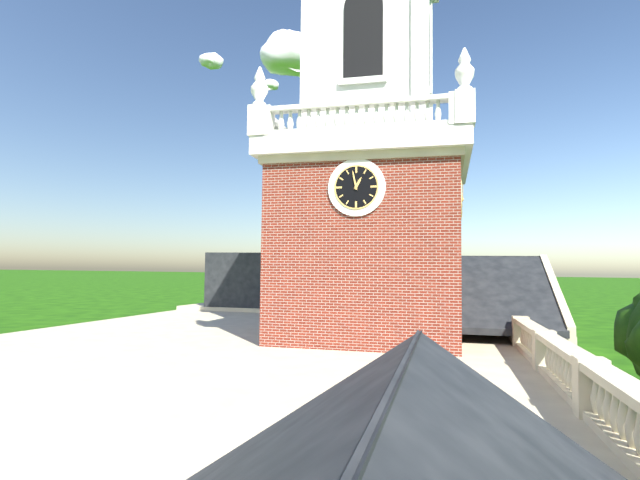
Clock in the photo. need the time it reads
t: 12:58
